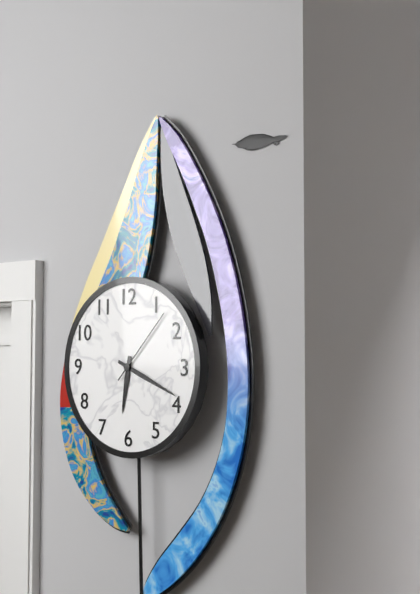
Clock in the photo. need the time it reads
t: 6:19:07
